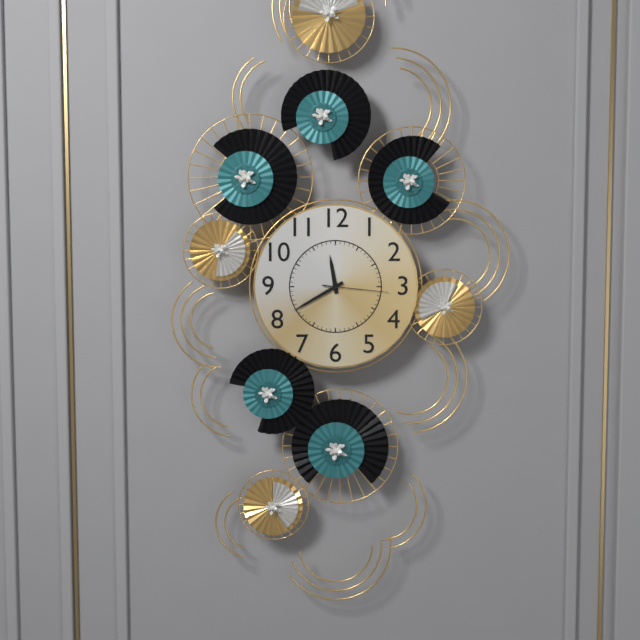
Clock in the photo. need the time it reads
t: 11:40:16
